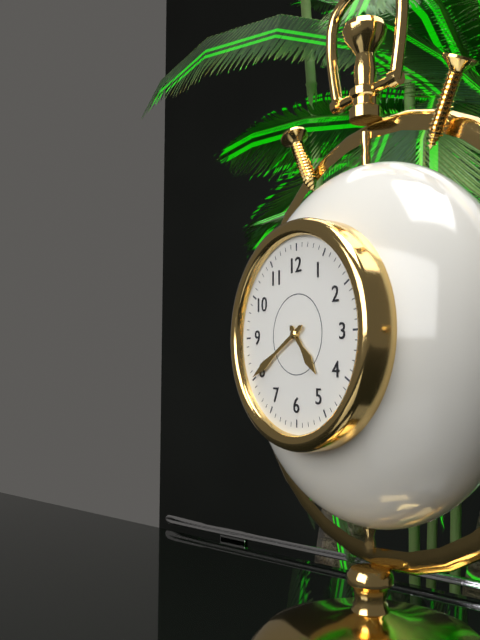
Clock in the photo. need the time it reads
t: 4:40
